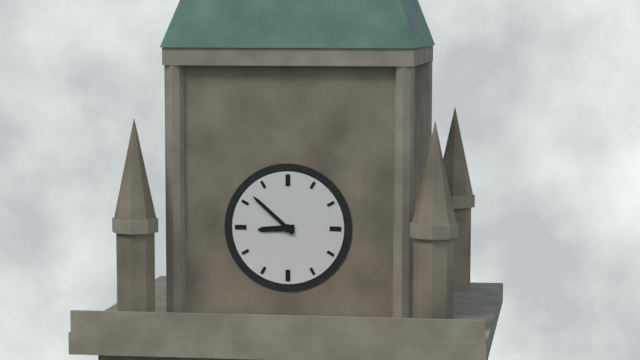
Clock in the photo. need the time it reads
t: 8:52
